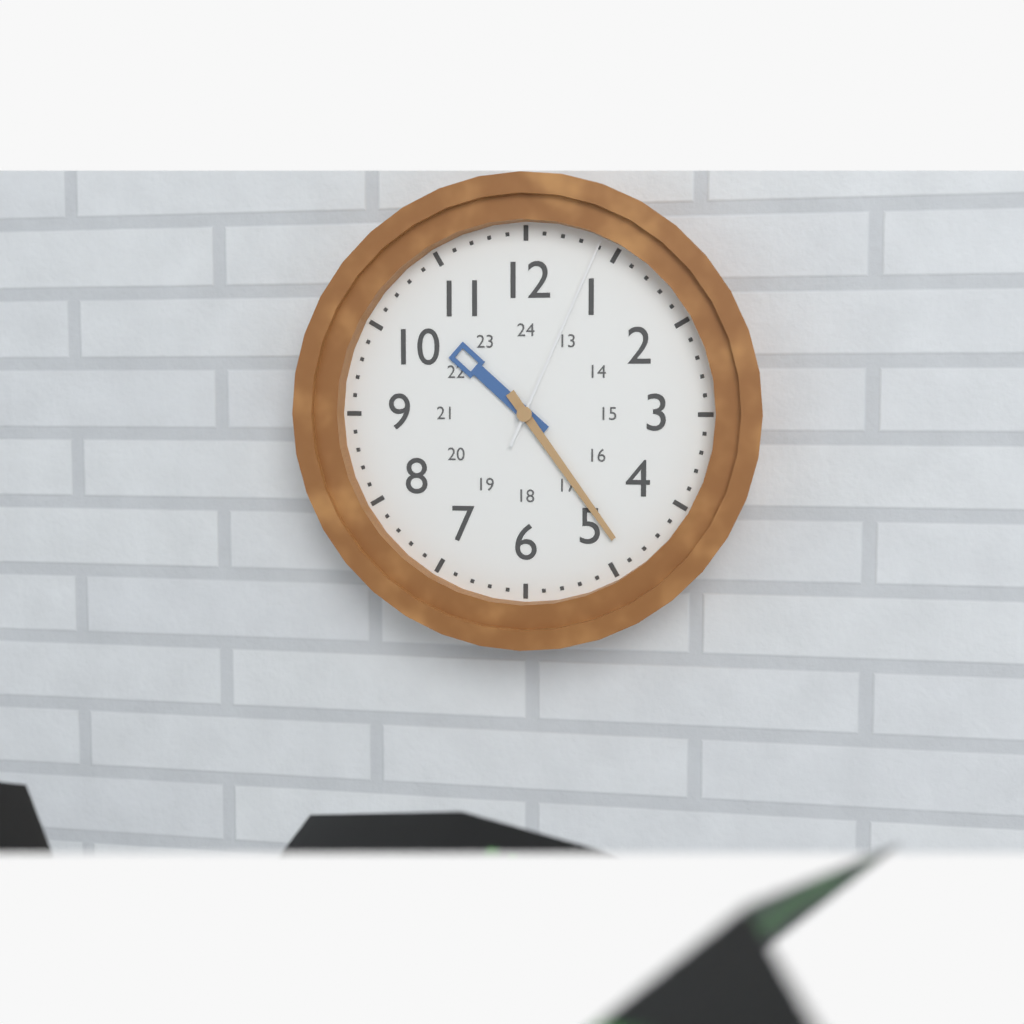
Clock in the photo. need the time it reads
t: 10:24:04
